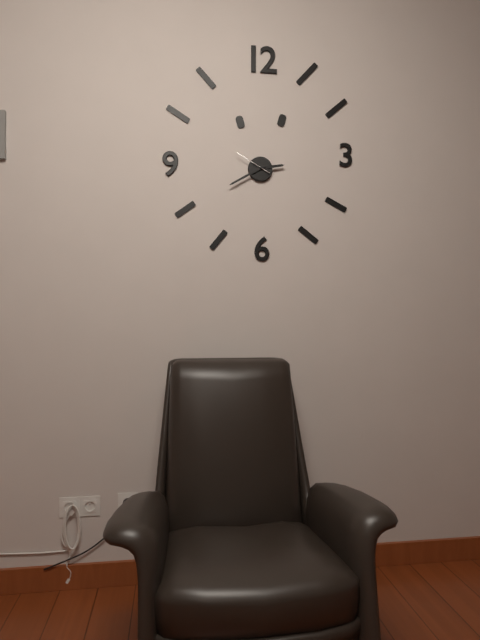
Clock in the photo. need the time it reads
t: 2:40
